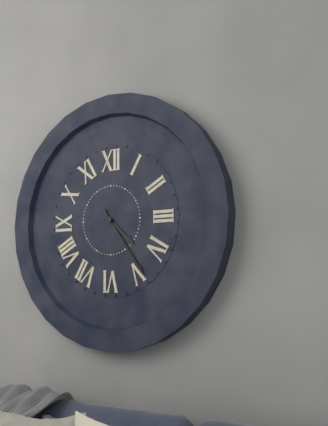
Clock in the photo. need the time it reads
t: 4:24
